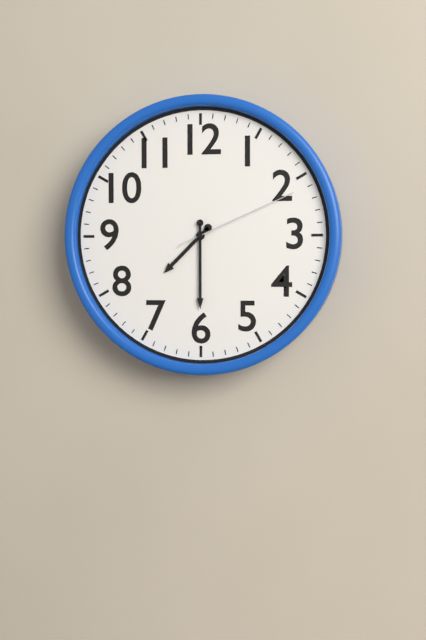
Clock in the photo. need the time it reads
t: 7:30:11
